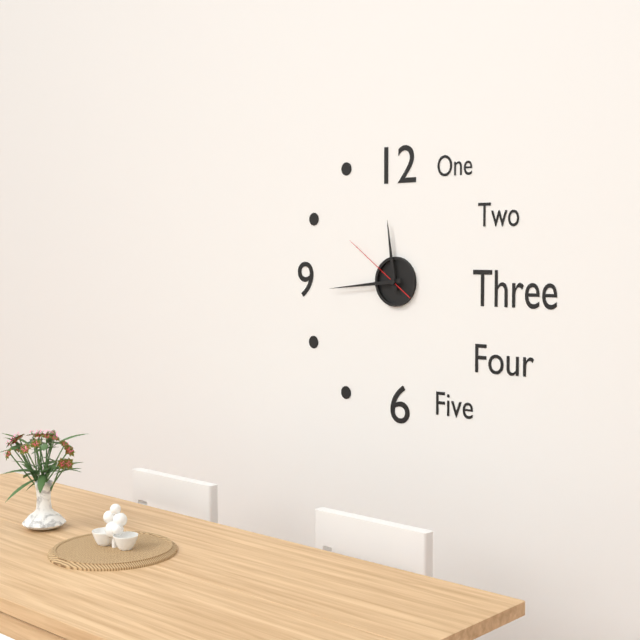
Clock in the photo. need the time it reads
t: 11:44:51
